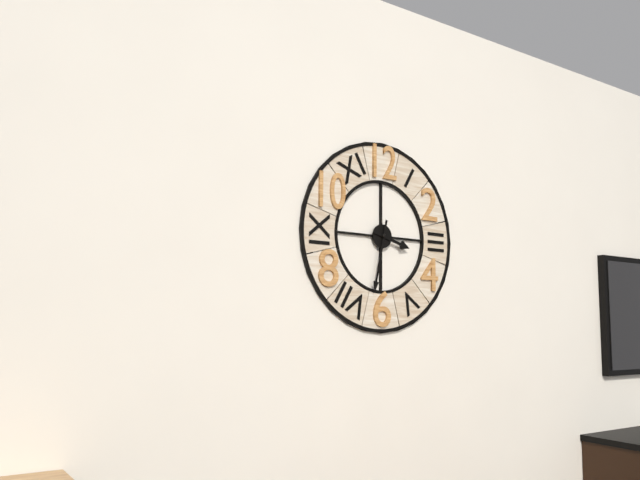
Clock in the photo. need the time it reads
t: 3:32
